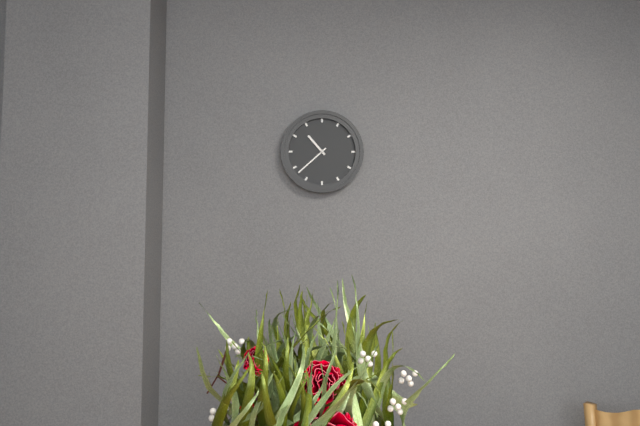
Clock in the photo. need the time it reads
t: 10:38
